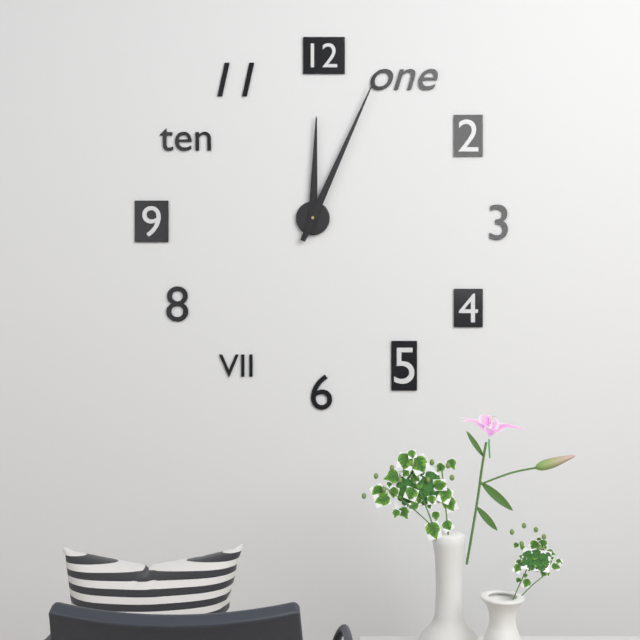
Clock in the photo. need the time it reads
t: 12:04
